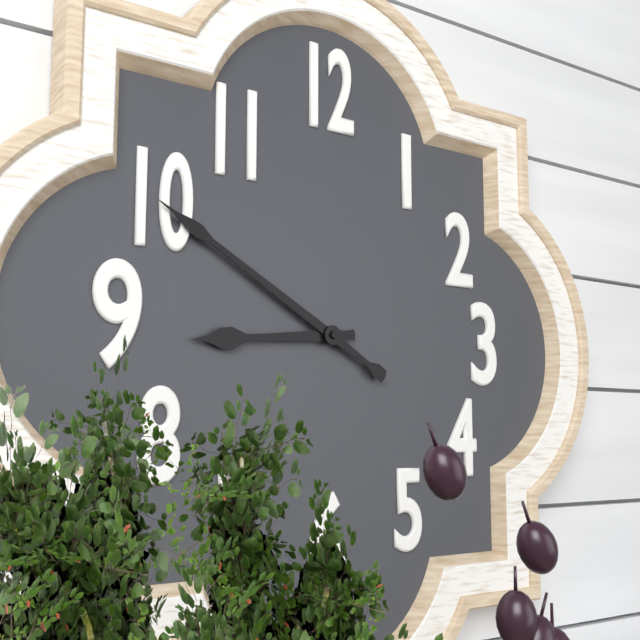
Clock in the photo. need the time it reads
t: 8:50
